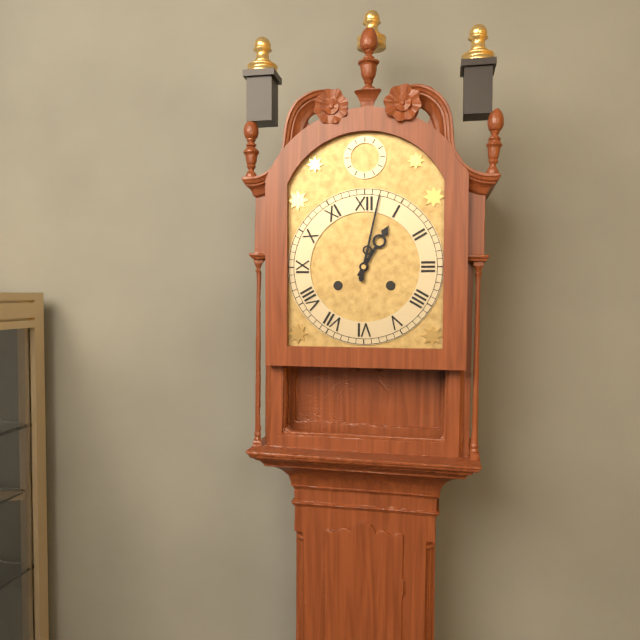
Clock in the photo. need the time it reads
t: 1:02
